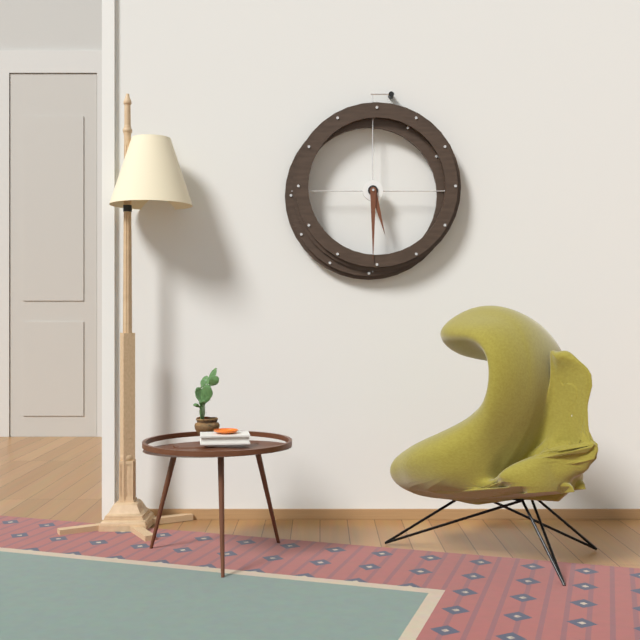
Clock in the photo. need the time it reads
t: 5:30
